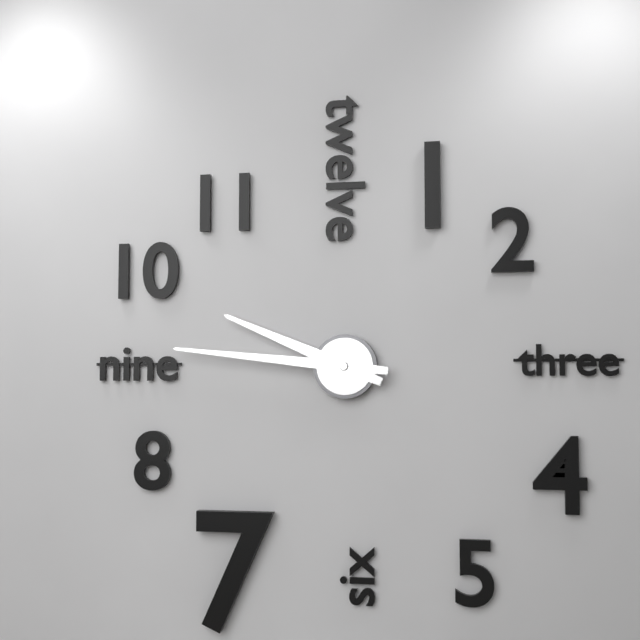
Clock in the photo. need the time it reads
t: 9:46
